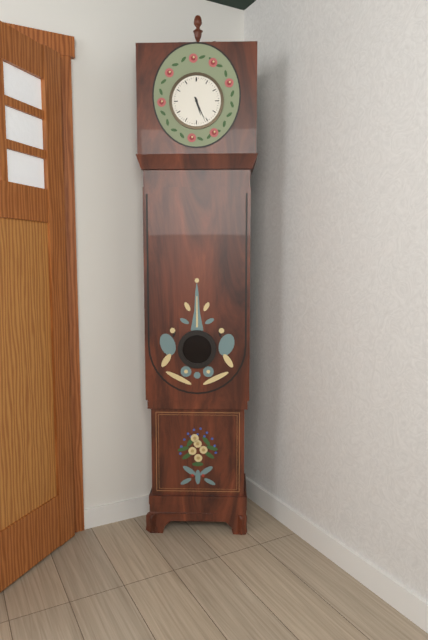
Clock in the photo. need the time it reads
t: 5:26
